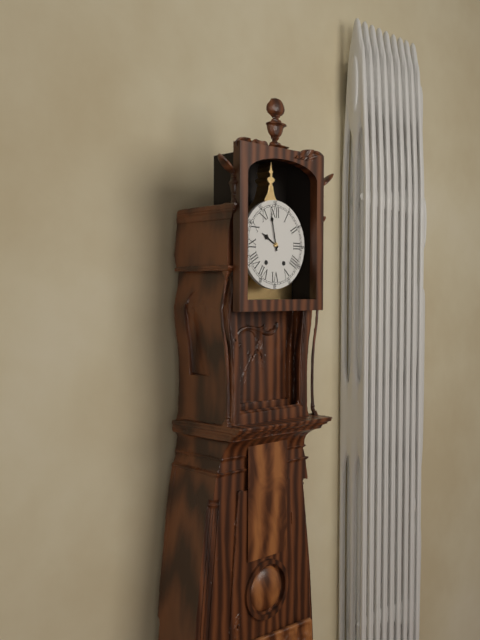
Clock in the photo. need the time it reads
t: 9:58
